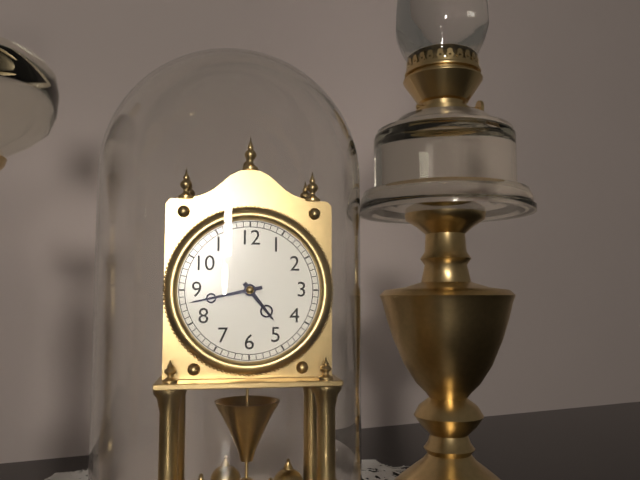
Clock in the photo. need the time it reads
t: 4:43
